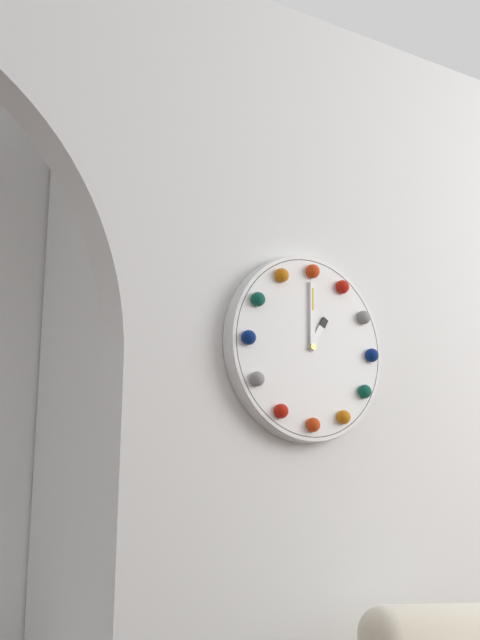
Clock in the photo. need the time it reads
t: 1:00
